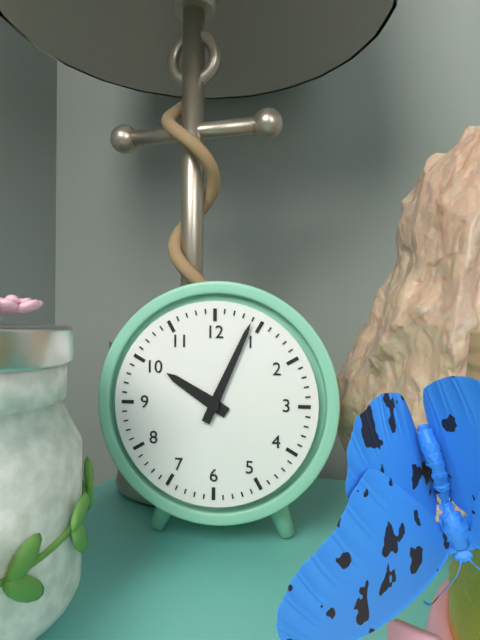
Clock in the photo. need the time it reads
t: 10:04
